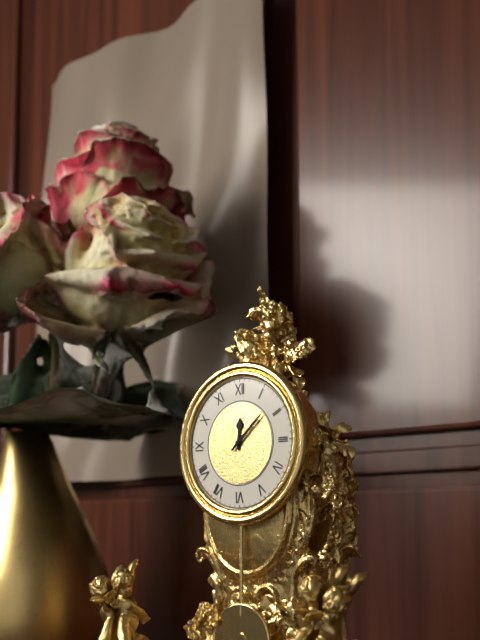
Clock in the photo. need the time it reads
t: 12:08
